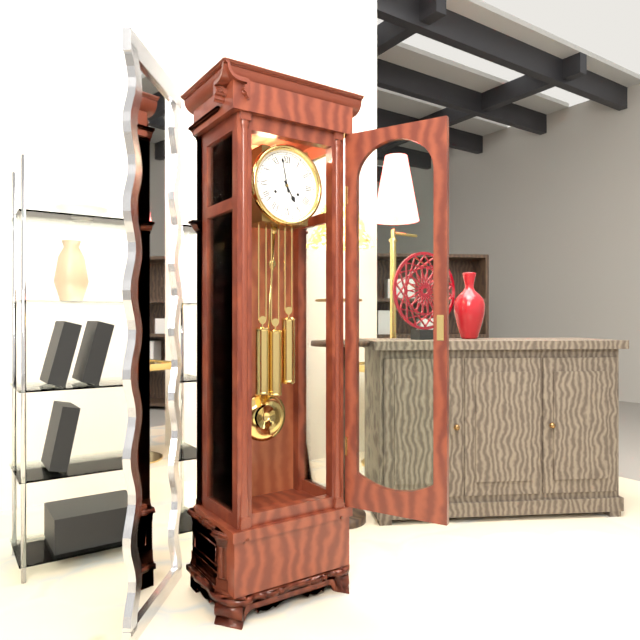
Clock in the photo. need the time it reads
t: 4:58
